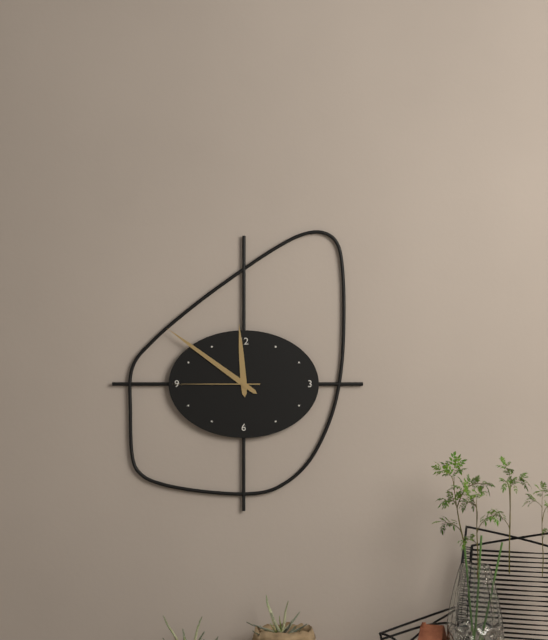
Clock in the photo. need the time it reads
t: 11:51:45
